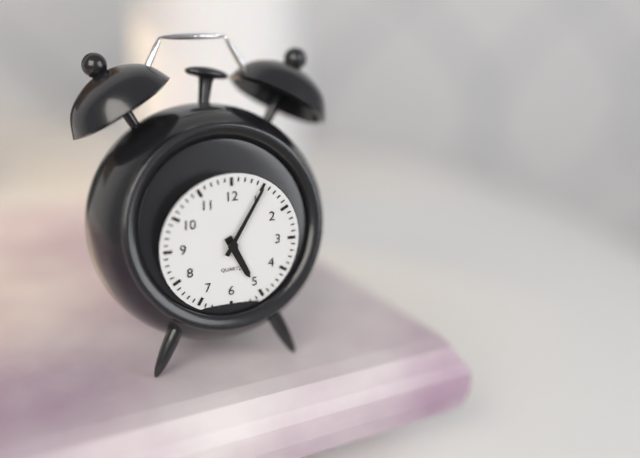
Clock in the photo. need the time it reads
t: 5:05
